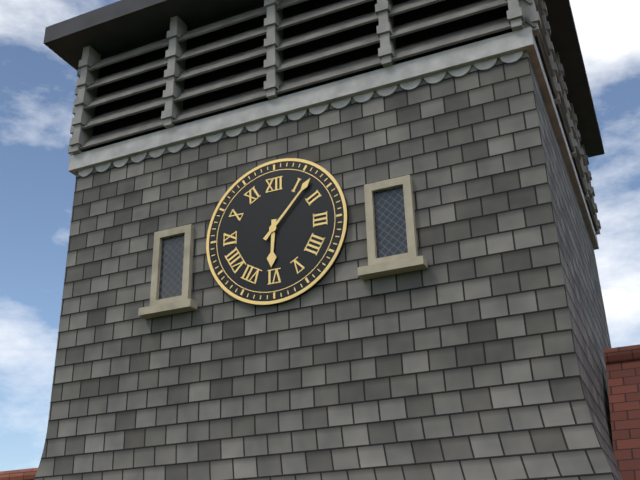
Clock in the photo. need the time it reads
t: 6:07
